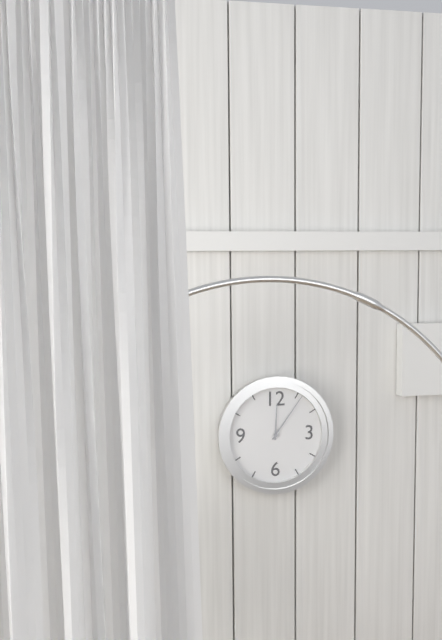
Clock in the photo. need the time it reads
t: 12:06
